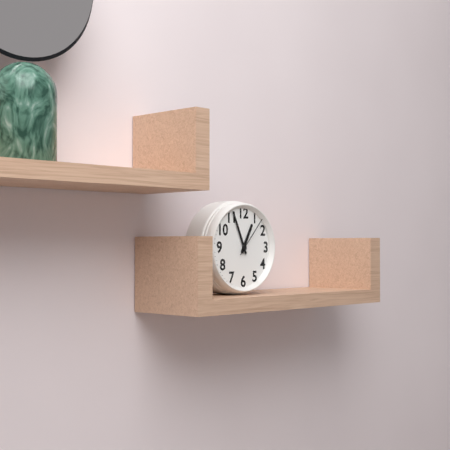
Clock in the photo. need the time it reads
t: 12:56
